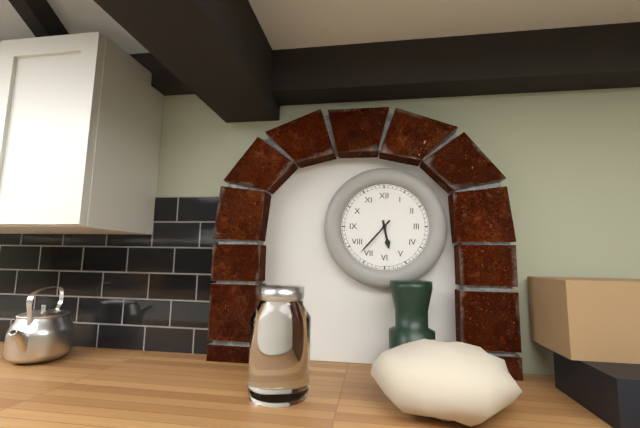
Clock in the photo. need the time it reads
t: 5:37
